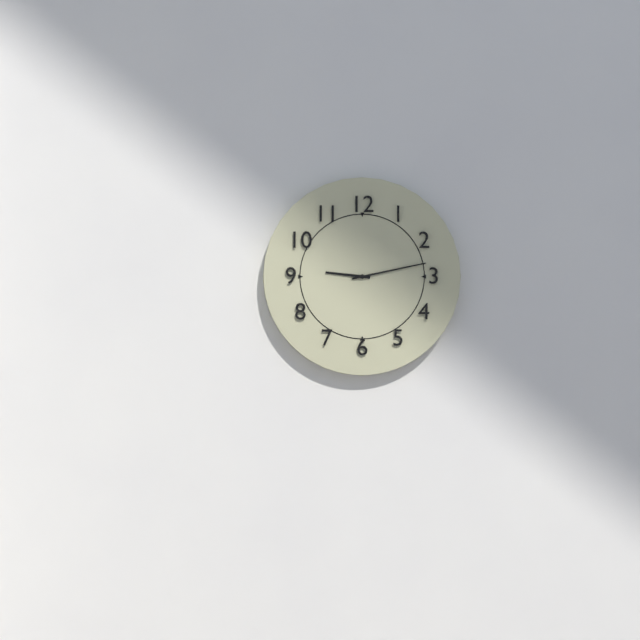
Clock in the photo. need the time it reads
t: 9:13
